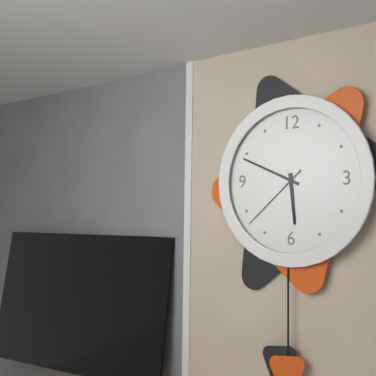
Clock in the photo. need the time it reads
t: 5:49:38
